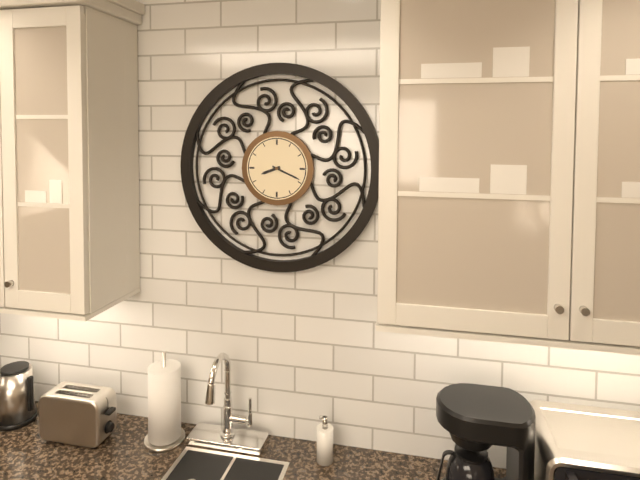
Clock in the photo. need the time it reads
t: 8:19
